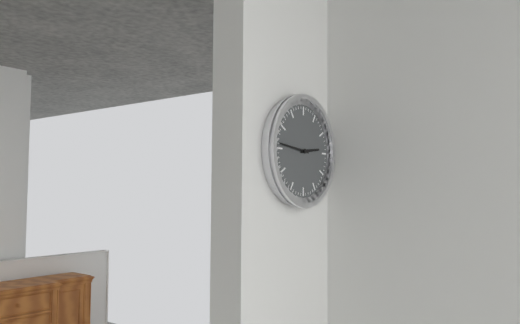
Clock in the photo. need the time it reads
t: 2:46
